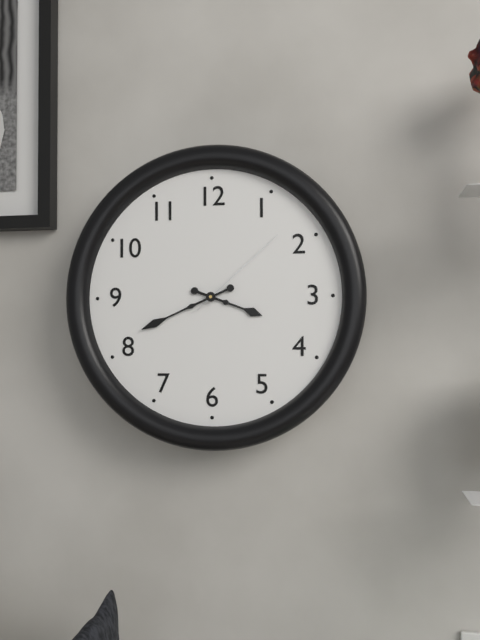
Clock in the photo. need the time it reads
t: 3:41:08
